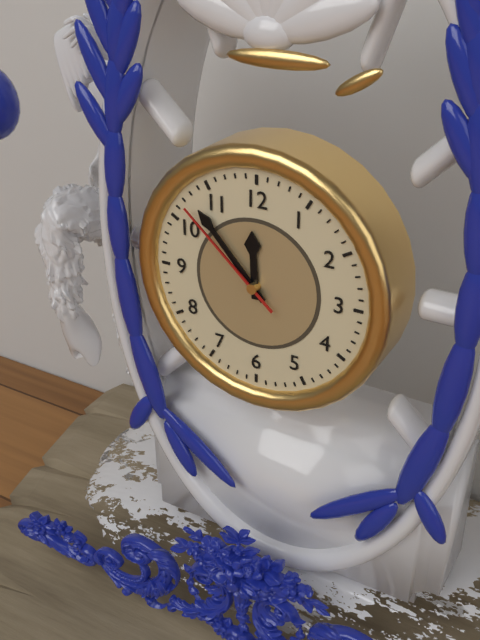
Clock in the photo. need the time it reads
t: 11:53:52
